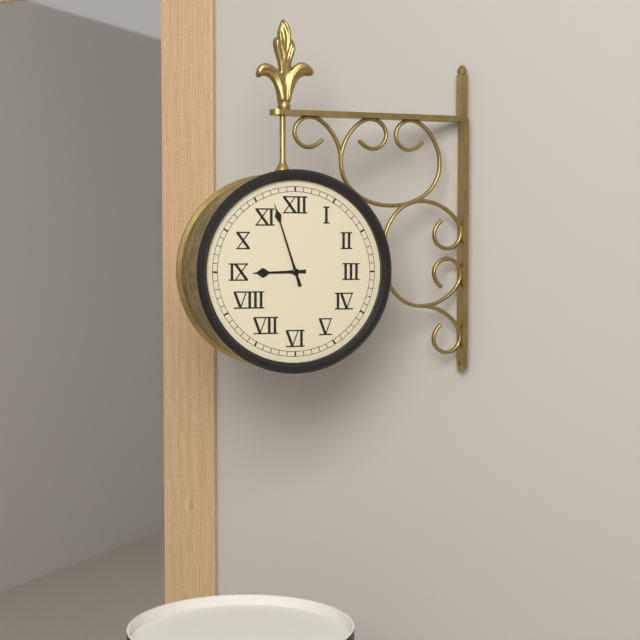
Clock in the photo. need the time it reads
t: 8:57
